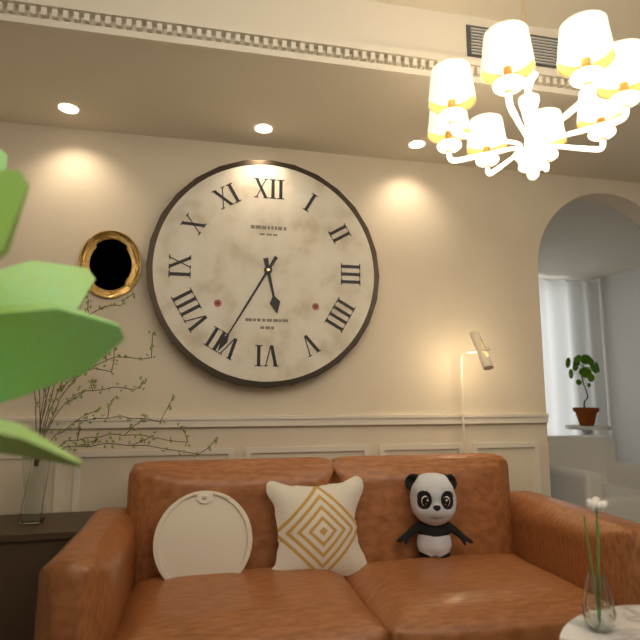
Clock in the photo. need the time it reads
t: 5:35
